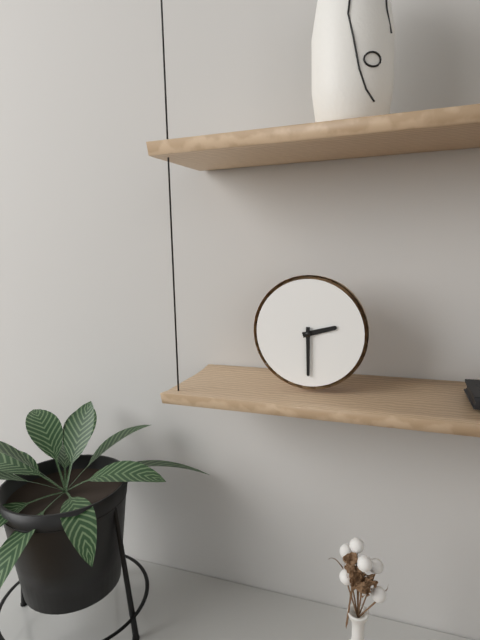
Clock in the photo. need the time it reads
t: 2:30
